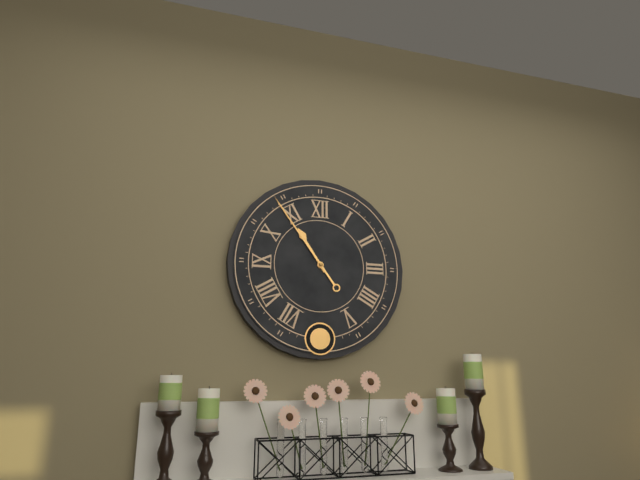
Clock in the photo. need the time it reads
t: 10:54
